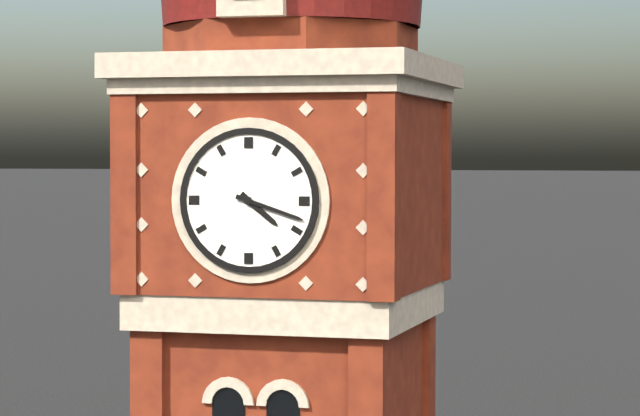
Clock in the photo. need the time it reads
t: 4:18
